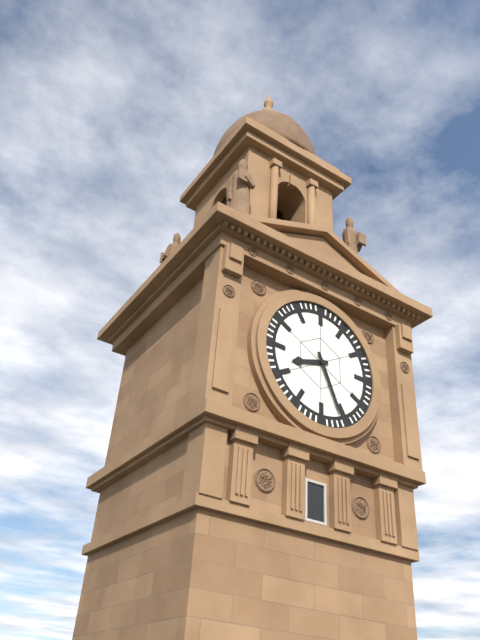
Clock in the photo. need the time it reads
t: 8:26
